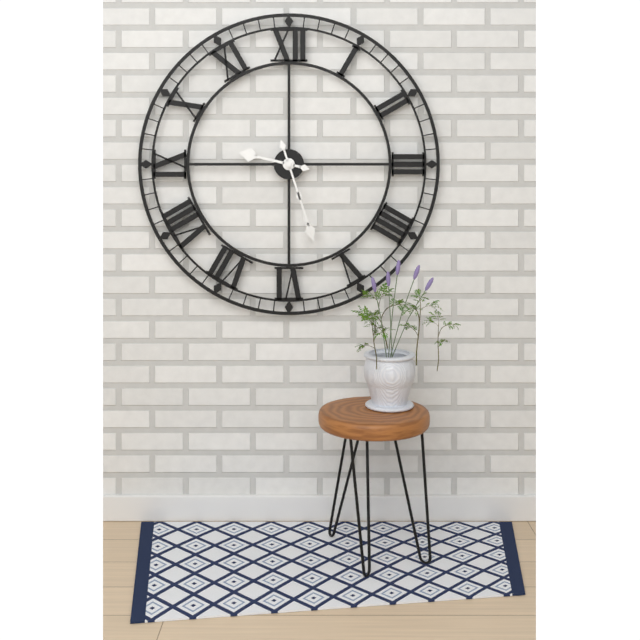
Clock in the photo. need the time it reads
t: 9:27
